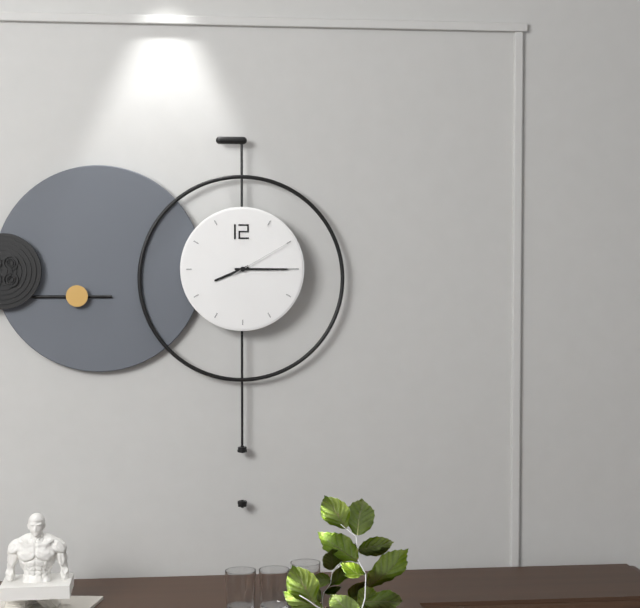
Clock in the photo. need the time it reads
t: 8:15:10
